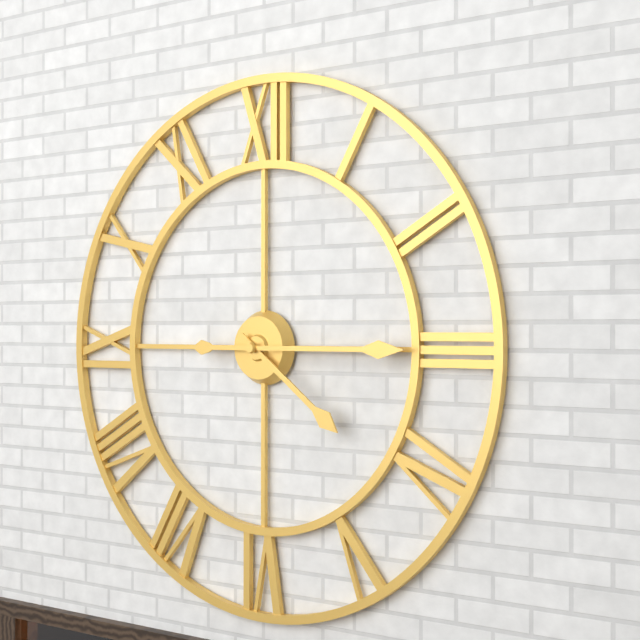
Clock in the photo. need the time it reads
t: 4:15
